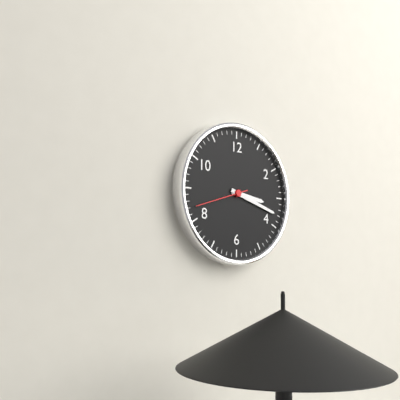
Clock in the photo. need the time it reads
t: 3:18:42
